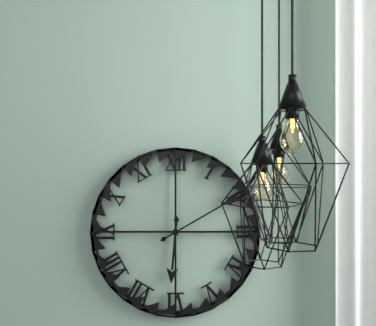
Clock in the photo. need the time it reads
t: 6:10
